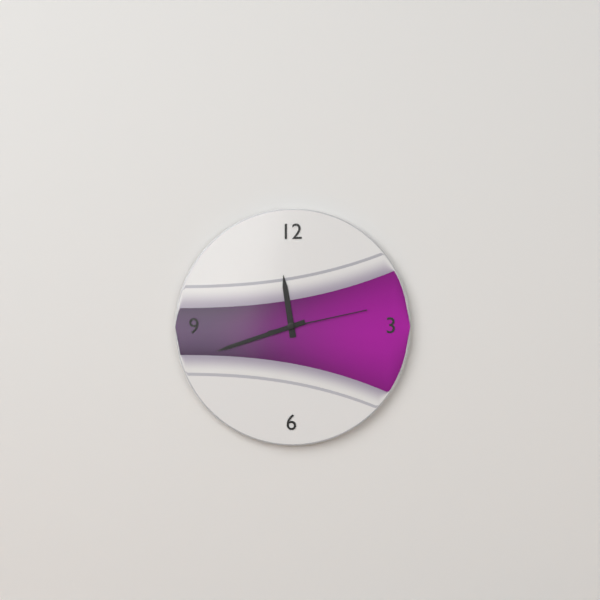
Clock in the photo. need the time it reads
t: 11:42:13
